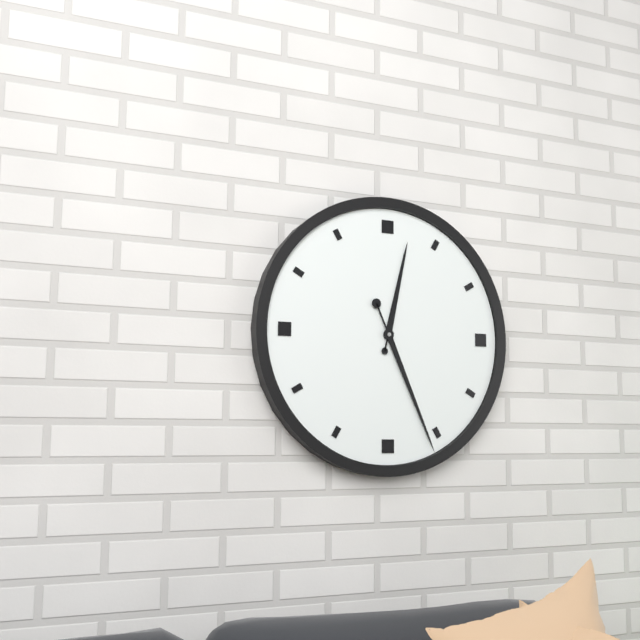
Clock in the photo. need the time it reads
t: 12:26
